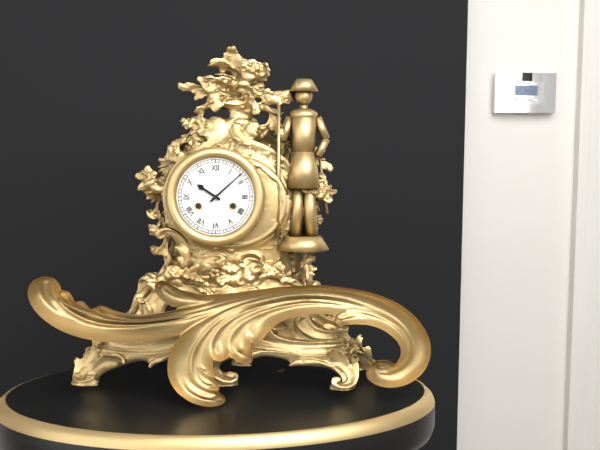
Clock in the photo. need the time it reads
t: 10:08
